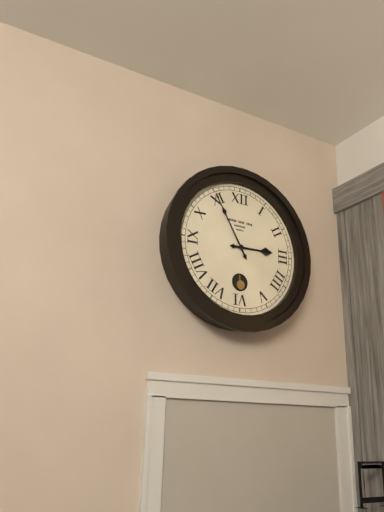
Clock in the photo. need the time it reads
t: 2:55
